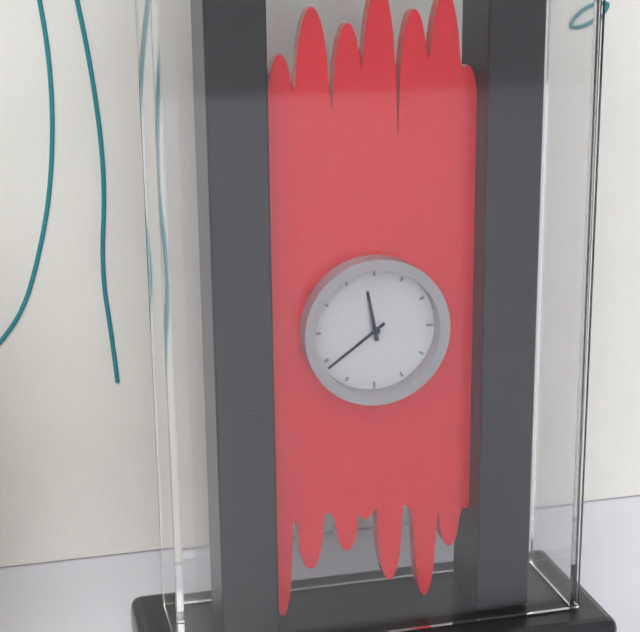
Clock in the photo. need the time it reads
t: 11:39
